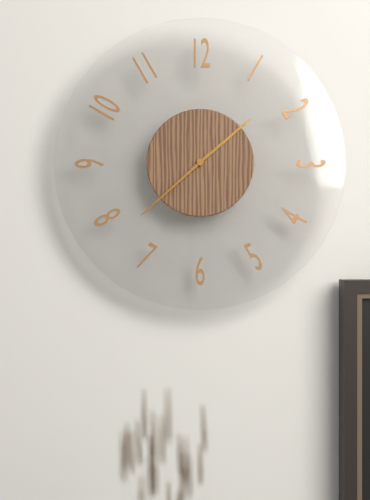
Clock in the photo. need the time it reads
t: 1:38
